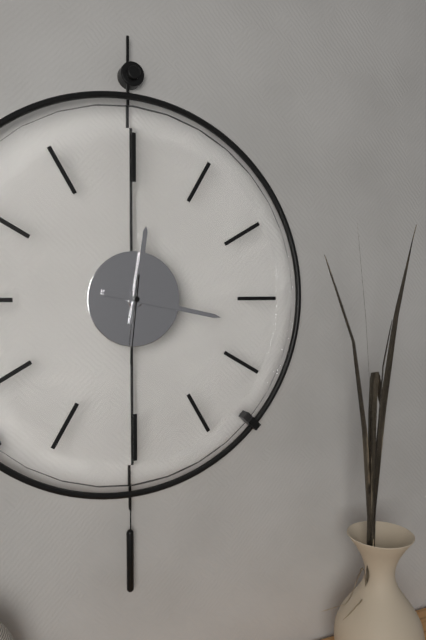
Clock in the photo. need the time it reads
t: 12:17:31
